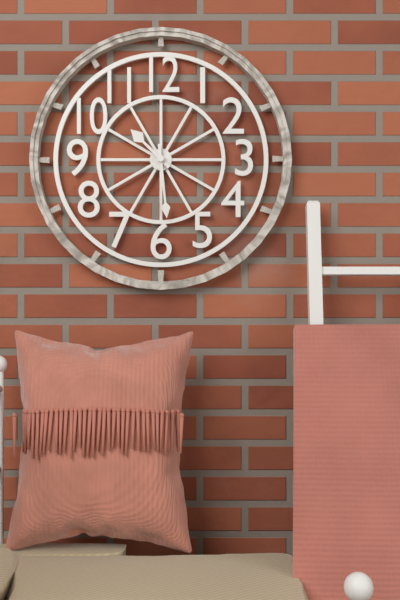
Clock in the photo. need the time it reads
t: 10:29
